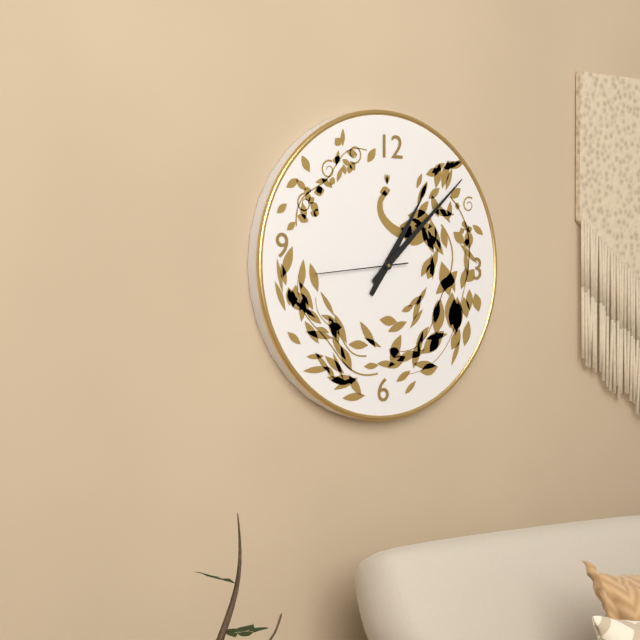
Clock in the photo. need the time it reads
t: 1:08:44
